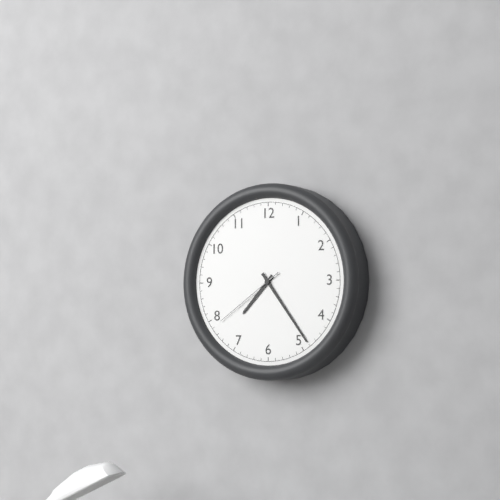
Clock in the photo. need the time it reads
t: 7:24:39
